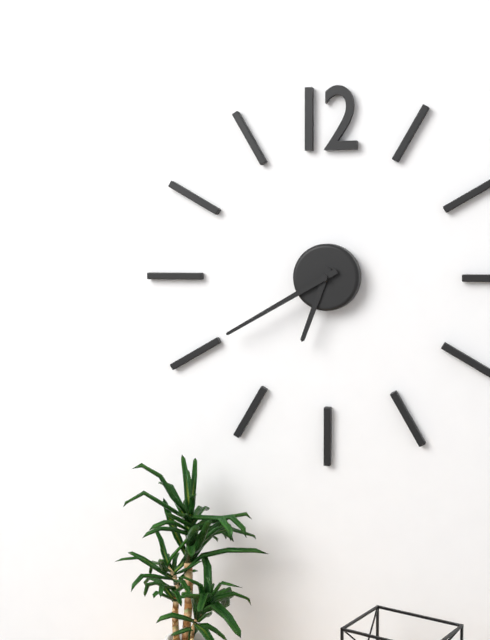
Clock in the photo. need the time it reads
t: 6:40
